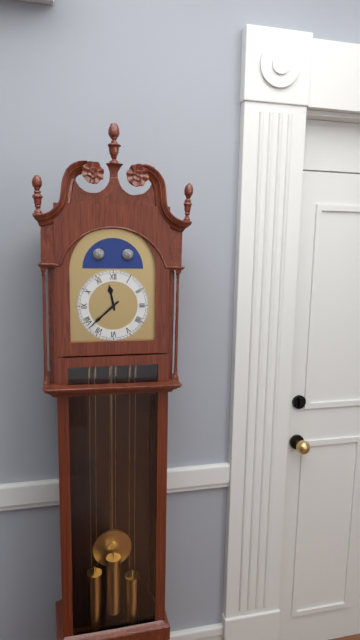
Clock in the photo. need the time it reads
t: 11:38
